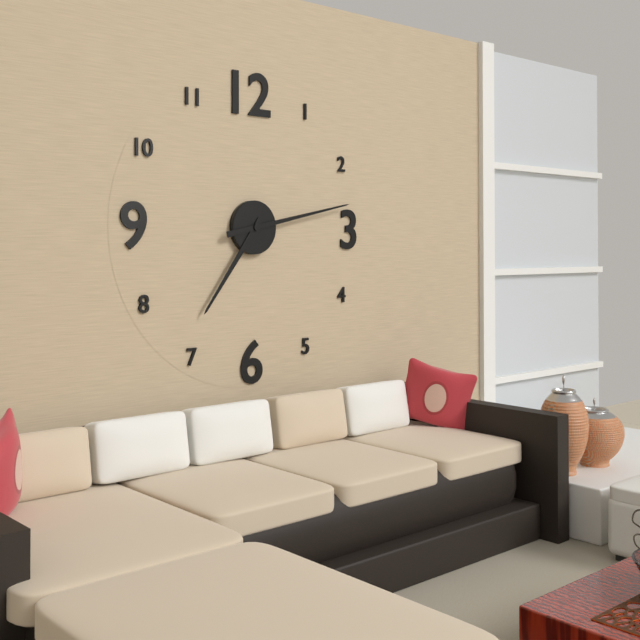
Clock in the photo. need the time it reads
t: 7:13
